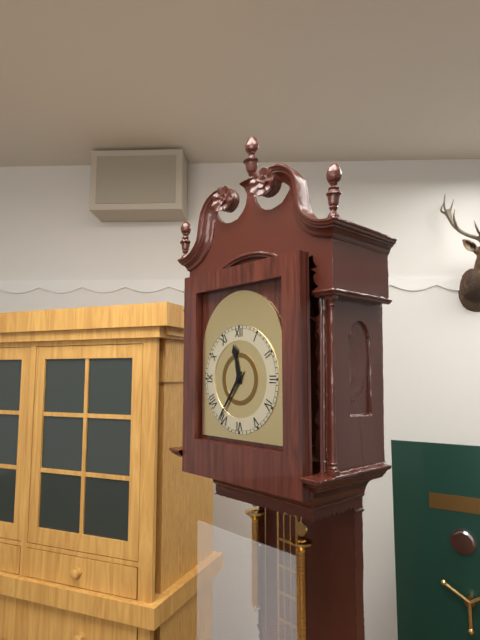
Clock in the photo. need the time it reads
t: 11:36
